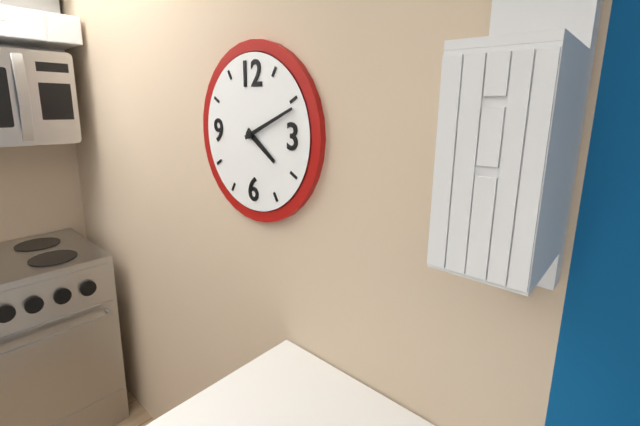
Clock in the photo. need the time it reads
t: 4:11
